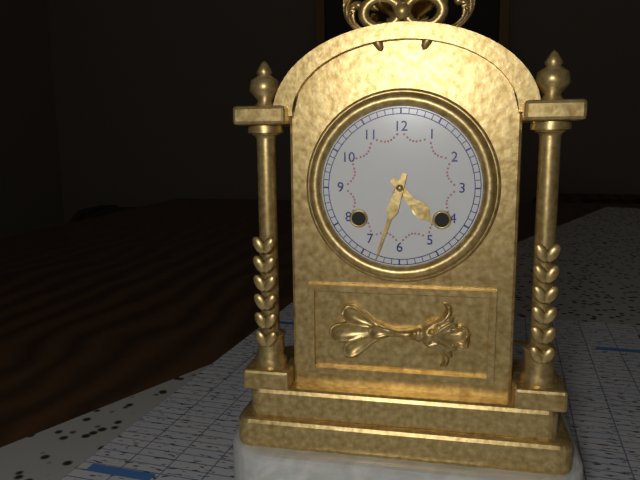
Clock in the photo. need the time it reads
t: 4:33
